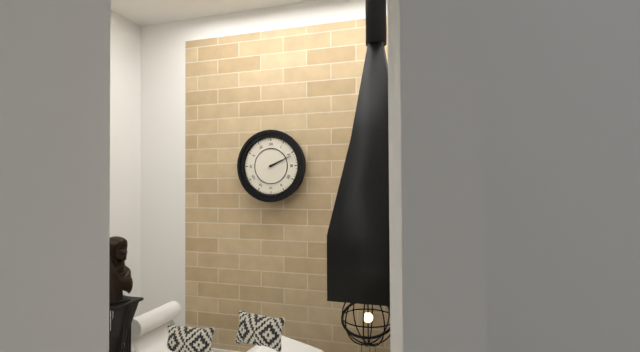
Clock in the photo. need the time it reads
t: 2:11
